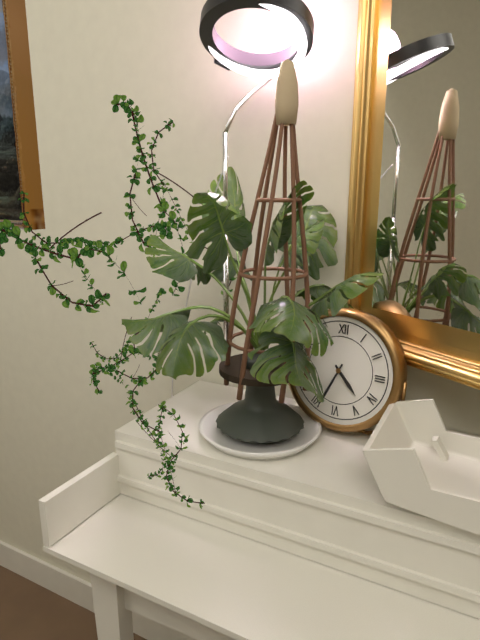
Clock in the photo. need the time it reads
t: 4:34
